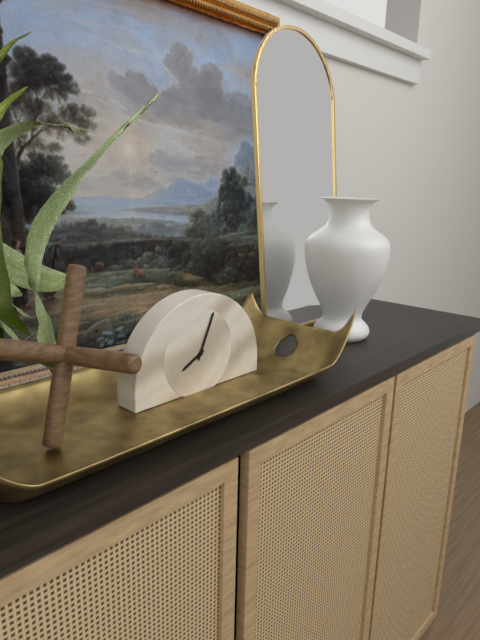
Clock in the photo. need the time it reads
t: 8:04
